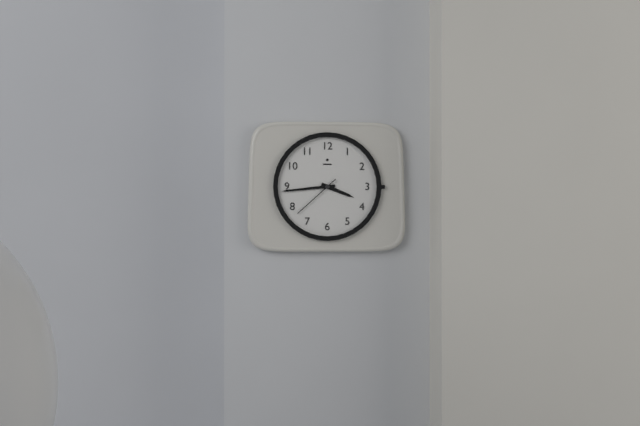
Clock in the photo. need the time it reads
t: 3:44:38
